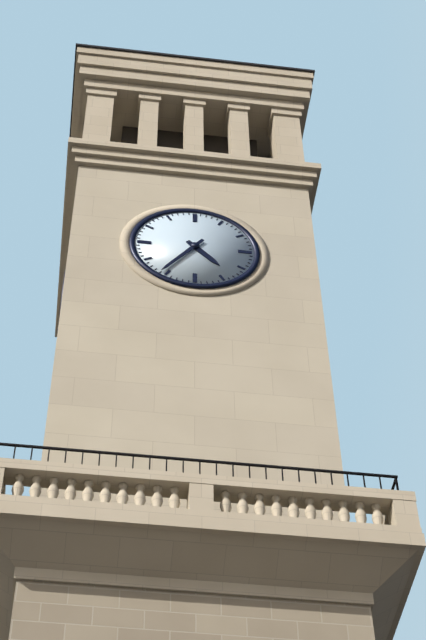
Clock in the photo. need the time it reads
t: 4:36
